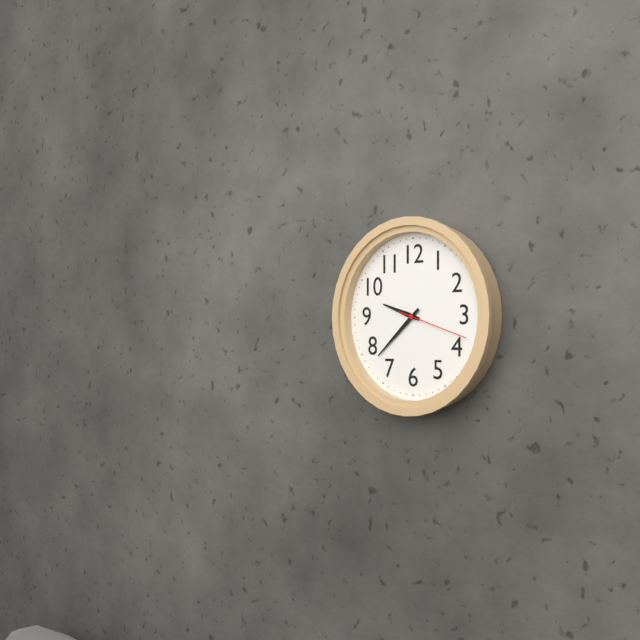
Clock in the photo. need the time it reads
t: 9:38:18
